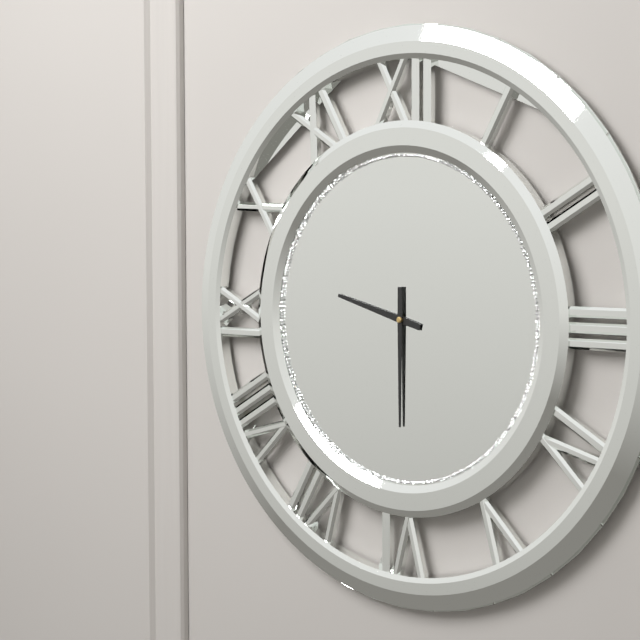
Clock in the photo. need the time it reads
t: 9:30
